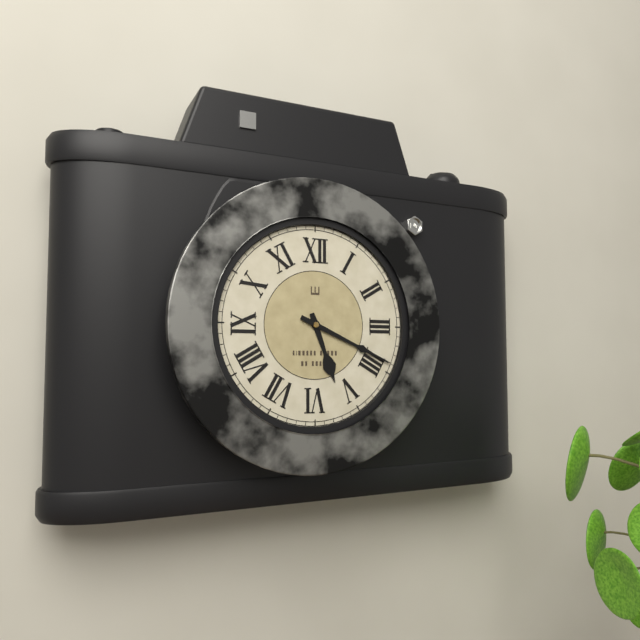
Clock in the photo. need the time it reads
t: 5:19
